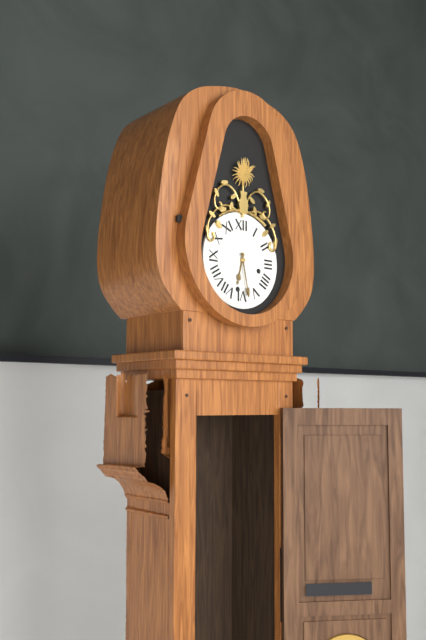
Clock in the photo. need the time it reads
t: 6:28
